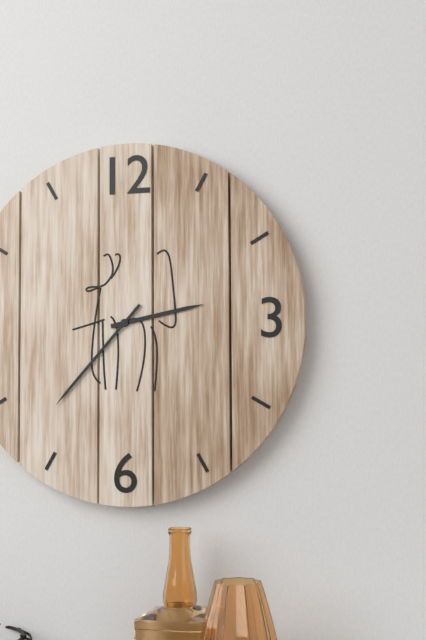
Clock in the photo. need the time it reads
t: 2:37
